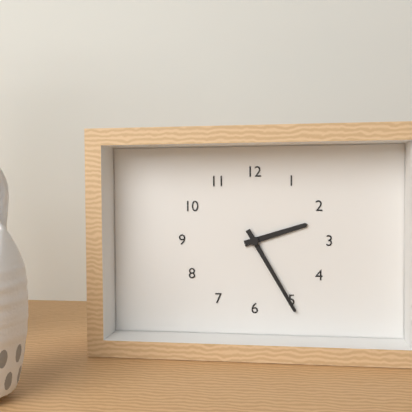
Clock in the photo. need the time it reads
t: 2:25
